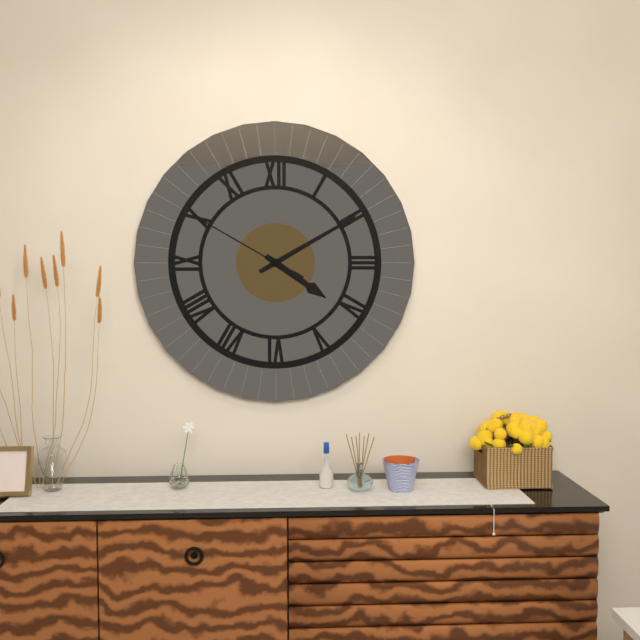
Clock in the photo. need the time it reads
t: 4:10:50
